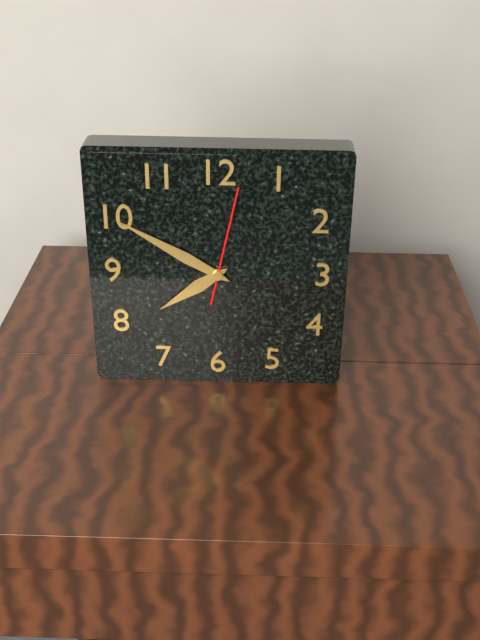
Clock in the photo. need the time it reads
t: 7:50:02
